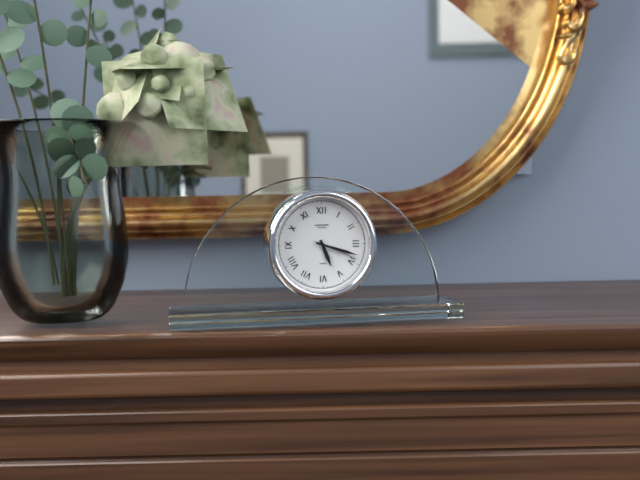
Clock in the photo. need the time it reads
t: 5:18
